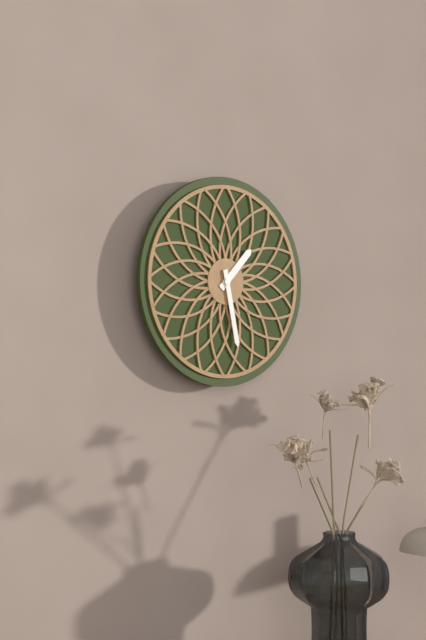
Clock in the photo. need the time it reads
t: 1:28
